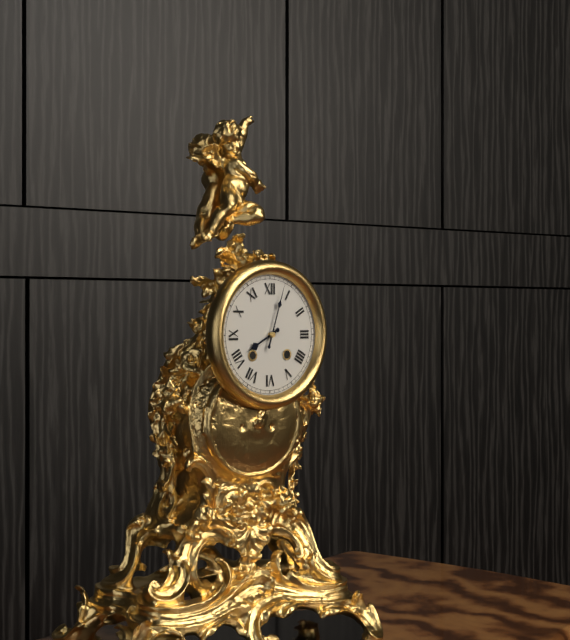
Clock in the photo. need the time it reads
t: 8:03
